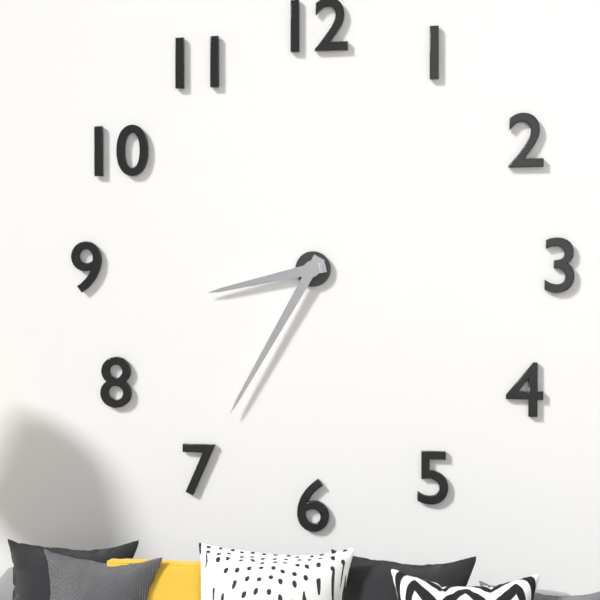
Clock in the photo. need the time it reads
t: 8:35
